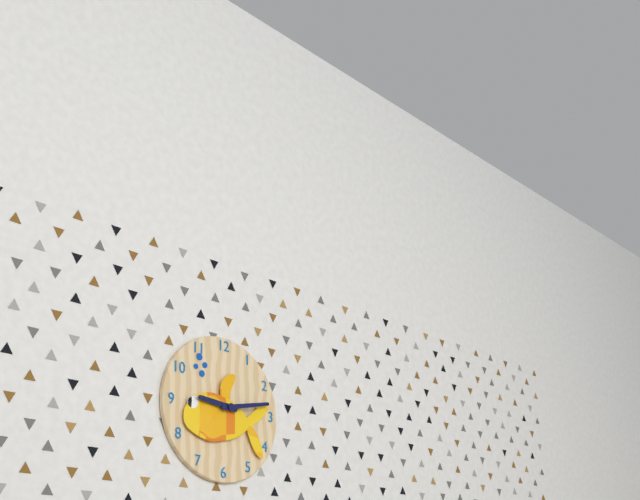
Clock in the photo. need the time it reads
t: 9:13
